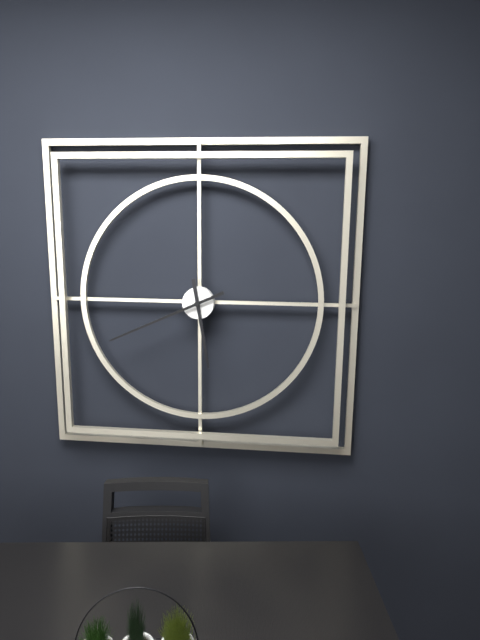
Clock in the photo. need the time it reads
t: 5:41
